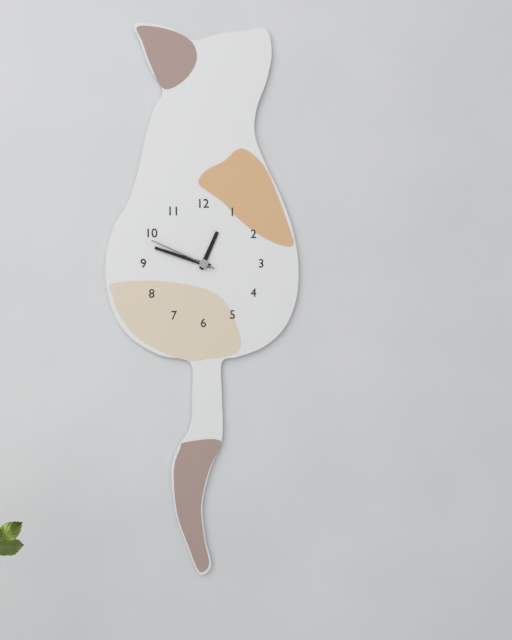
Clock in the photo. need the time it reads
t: 12:48:49
